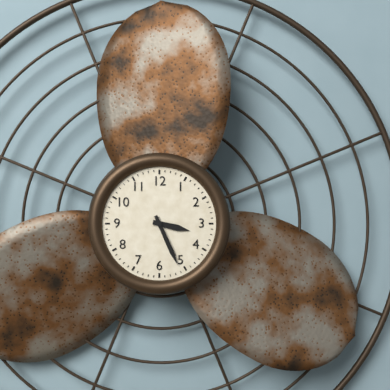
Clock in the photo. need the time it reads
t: 3:26
